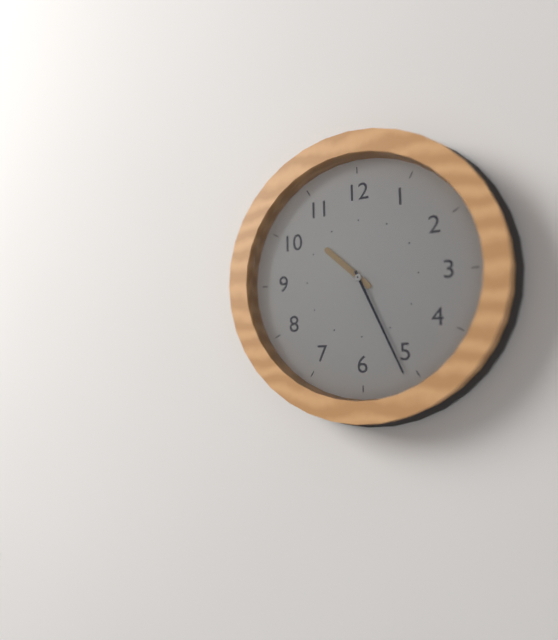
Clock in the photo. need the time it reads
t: 10:26
